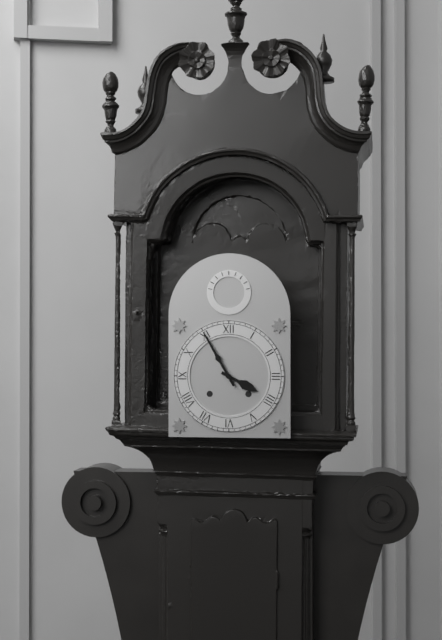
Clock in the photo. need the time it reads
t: 3:55
